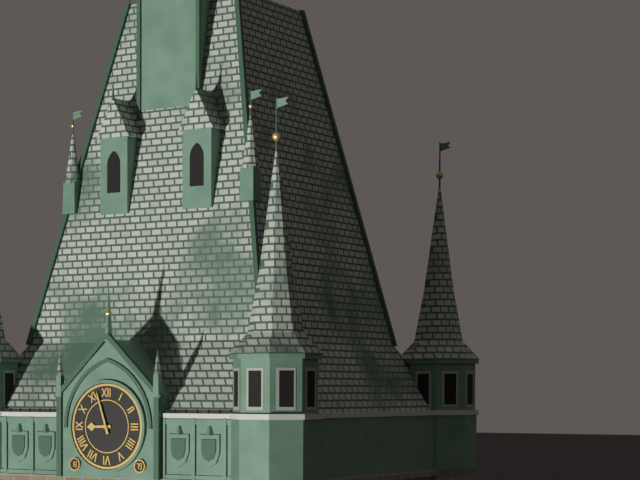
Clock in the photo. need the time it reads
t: 8:57
